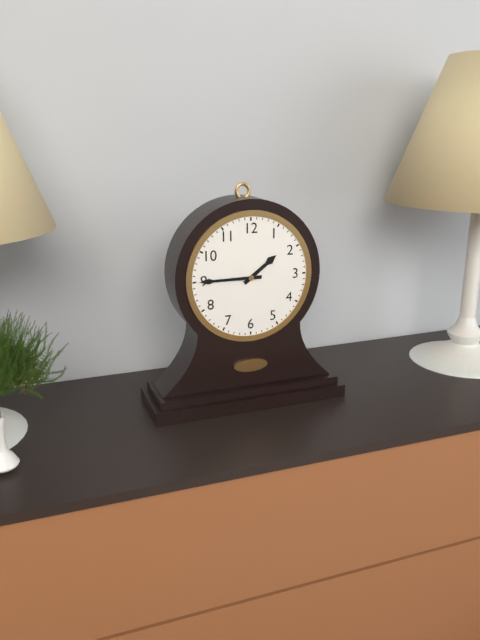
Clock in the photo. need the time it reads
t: 1:45
